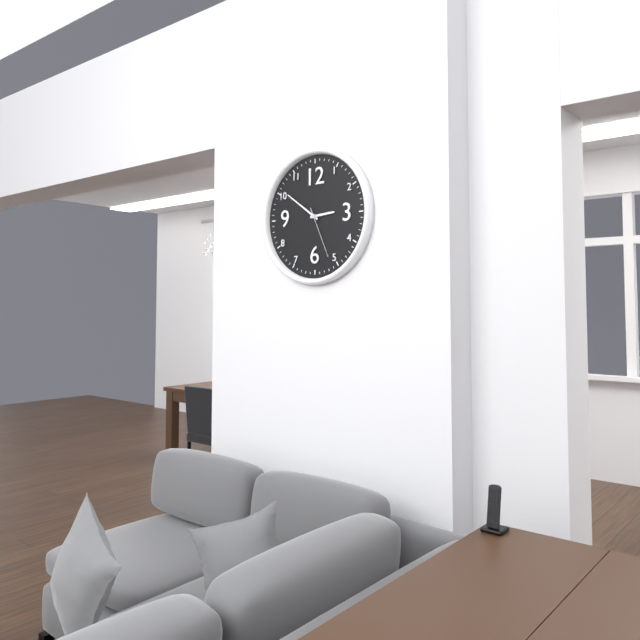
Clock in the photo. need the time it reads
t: 2:51:26
